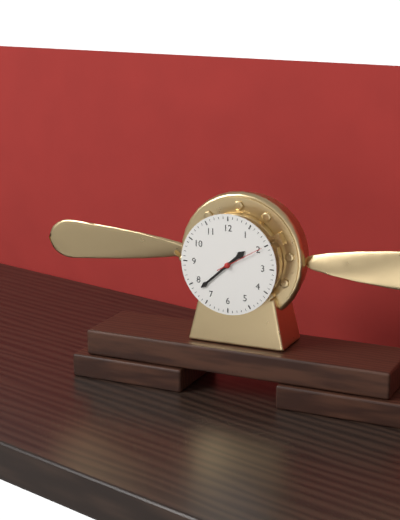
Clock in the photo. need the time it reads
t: 1:38
